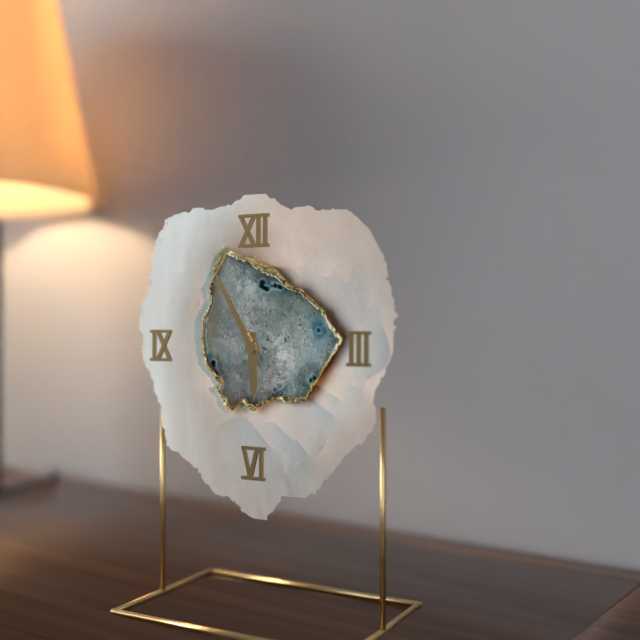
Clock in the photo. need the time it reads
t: 5:55
